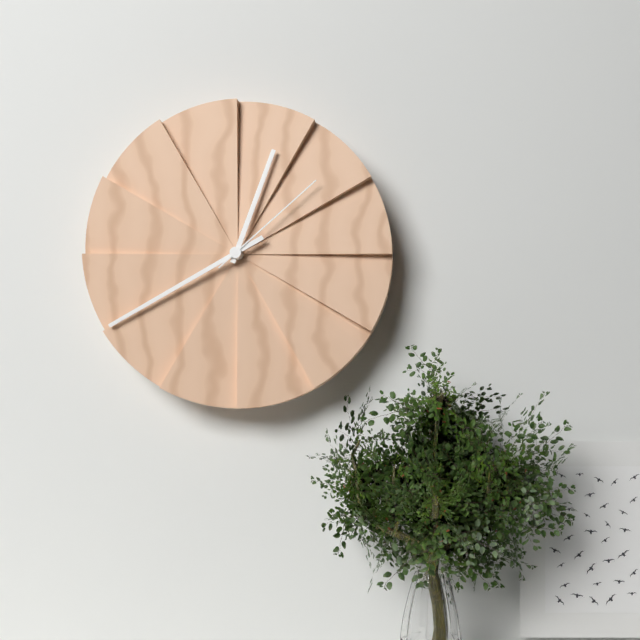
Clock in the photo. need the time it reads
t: 12:40:08
